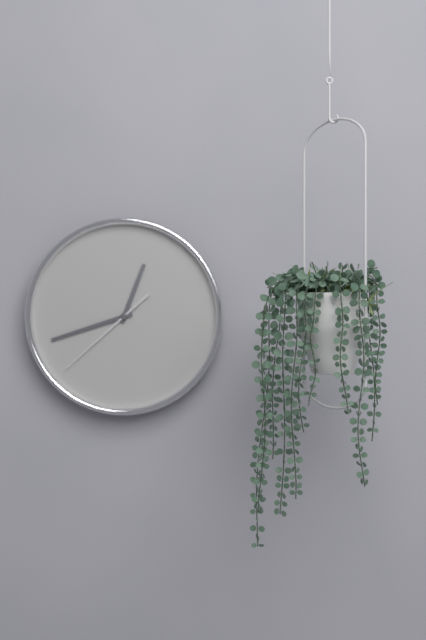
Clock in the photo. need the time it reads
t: 12:42:38
